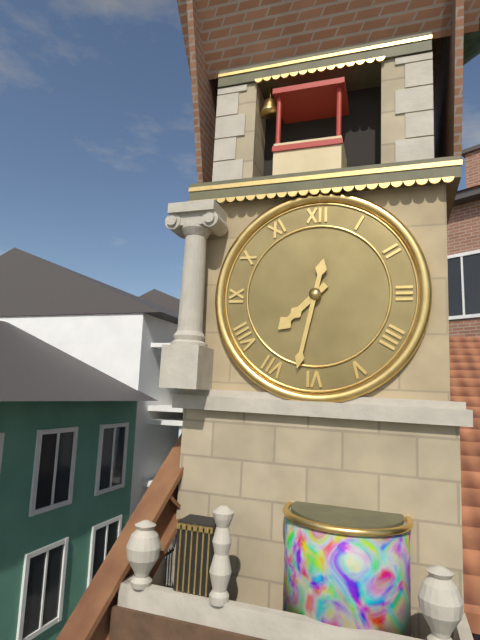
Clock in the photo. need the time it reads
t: 7:32
